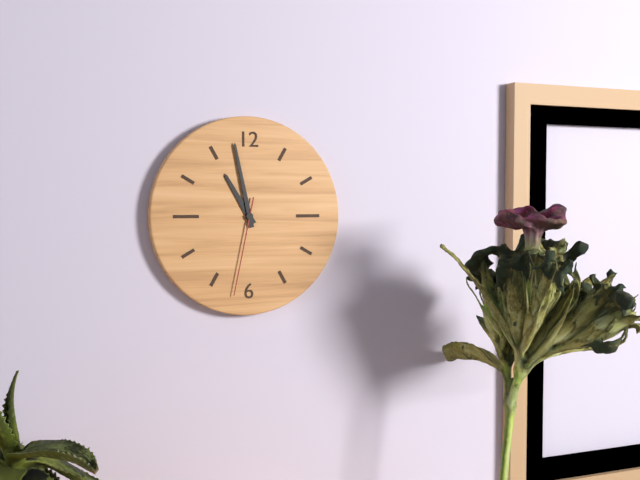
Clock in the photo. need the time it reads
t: 10:58:32
